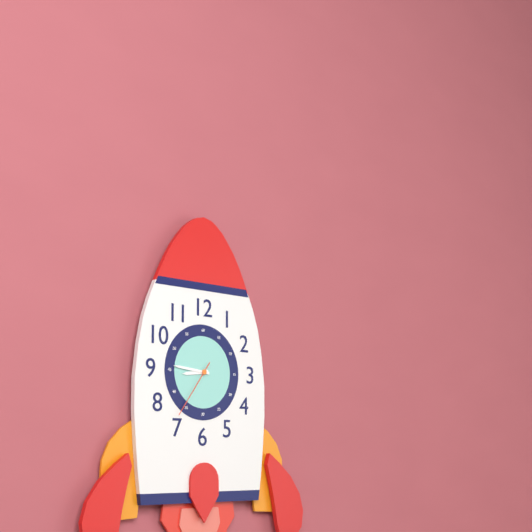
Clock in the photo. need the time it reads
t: 8:46:36
